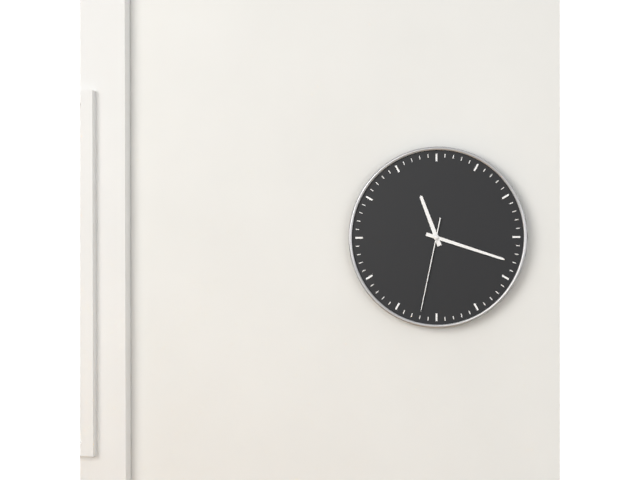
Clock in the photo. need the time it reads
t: 11:18:32
